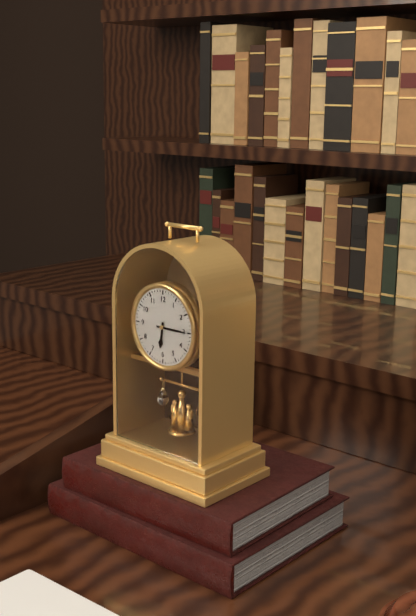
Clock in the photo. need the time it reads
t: 6:15
